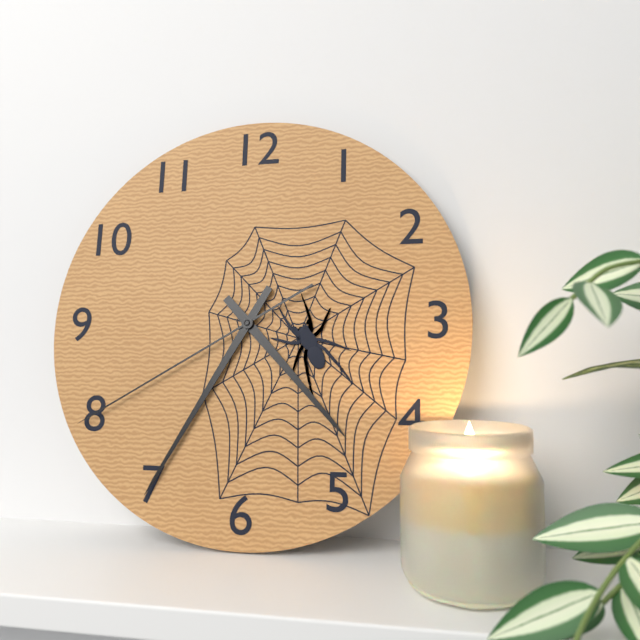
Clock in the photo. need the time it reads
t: 4:35:40
